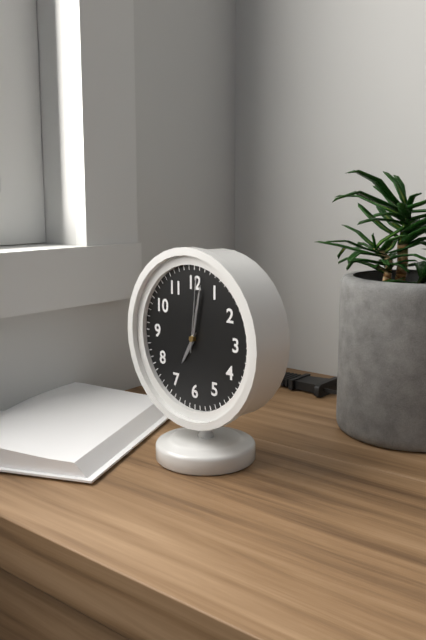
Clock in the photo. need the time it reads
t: 7:02:01
